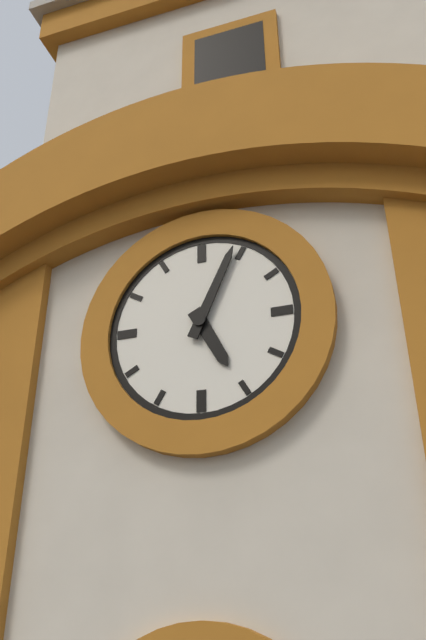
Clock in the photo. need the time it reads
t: 5:04
